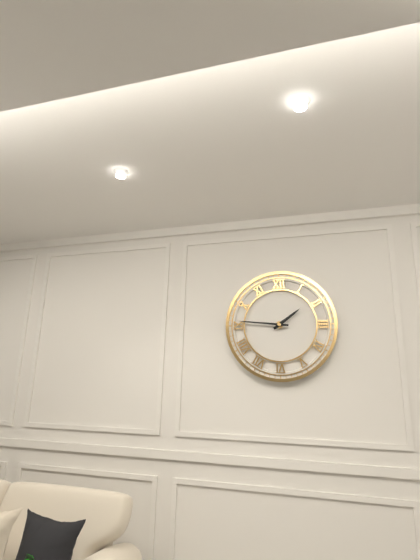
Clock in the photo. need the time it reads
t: 1:46
